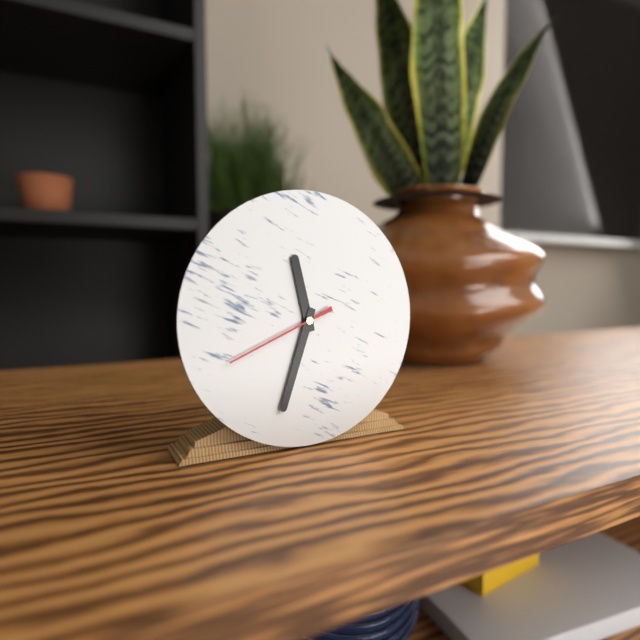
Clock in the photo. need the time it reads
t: 11:33:41
